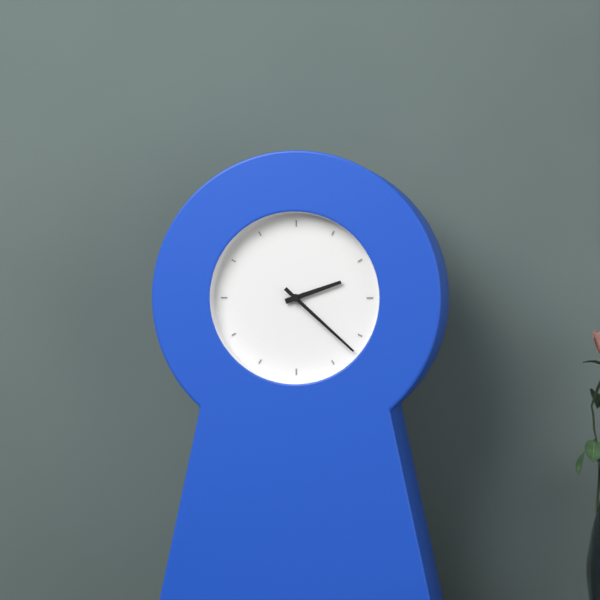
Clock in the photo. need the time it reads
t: 2:22
